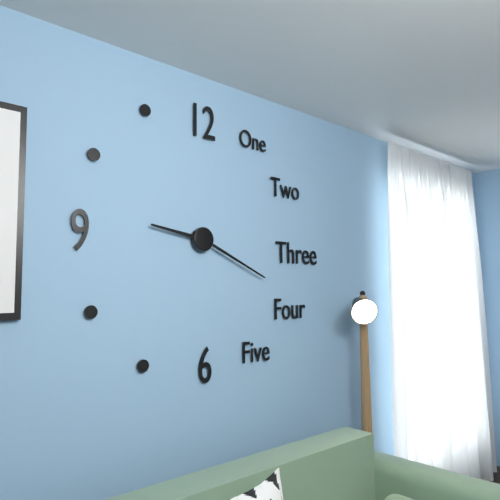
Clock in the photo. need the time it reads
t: 9:19
